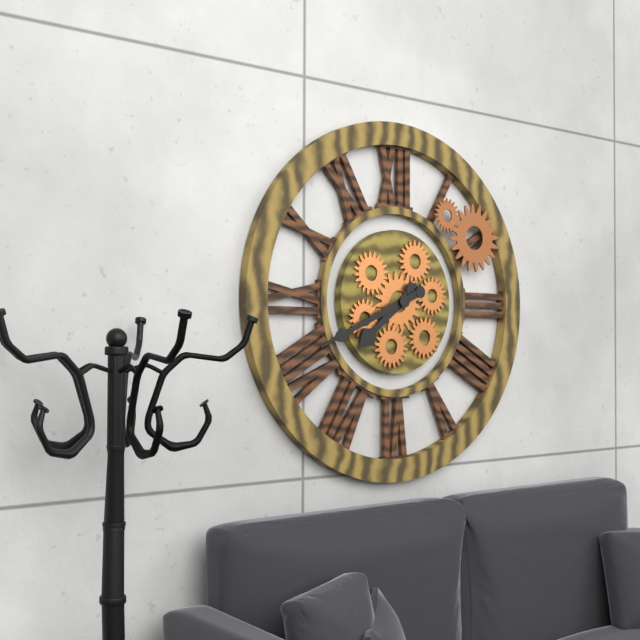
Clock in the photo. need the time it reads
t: 7:41
